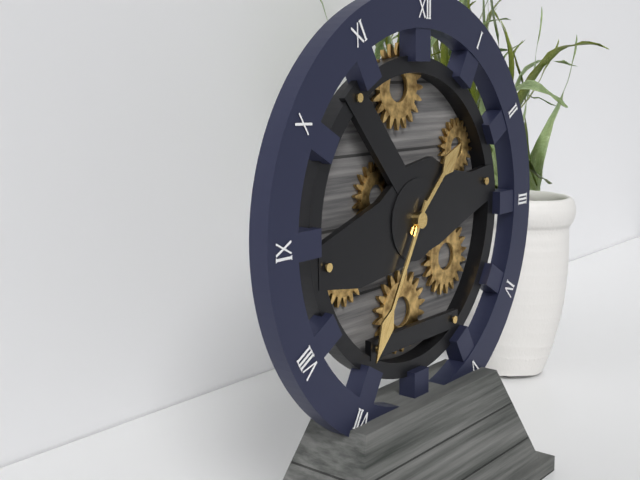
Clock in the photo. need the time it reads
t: 1:35
